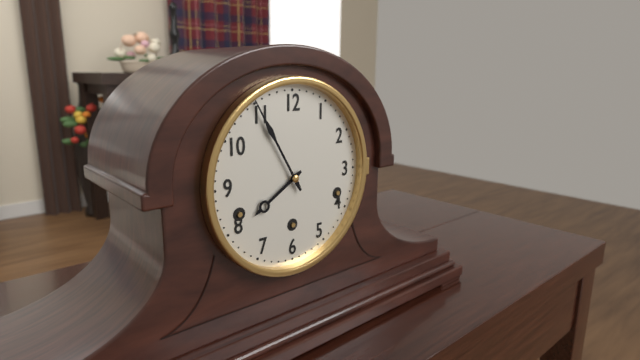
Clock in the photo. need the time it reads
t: 7:55
